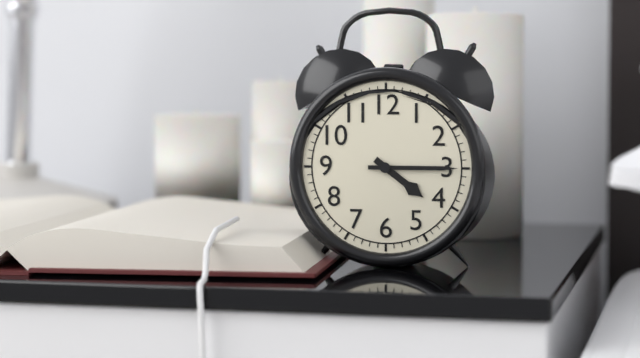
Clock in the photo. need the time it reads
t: 4:15
